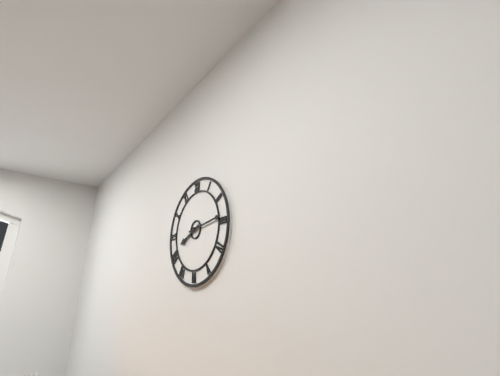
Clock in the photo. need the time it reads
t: 8:14
